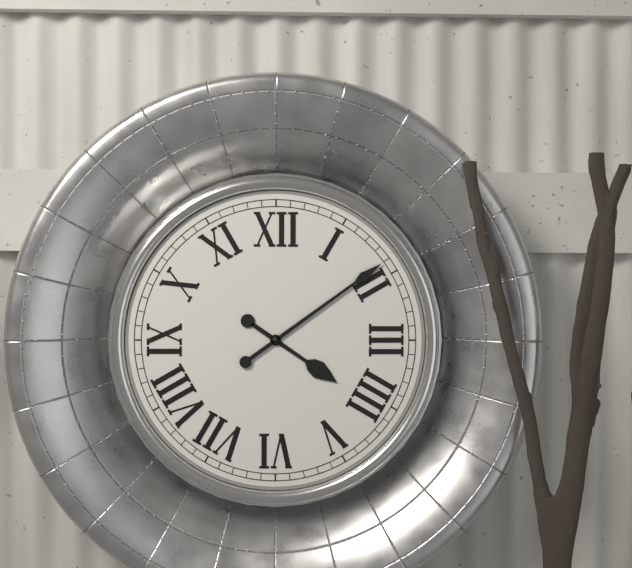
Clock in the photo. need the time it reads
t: 4:09
